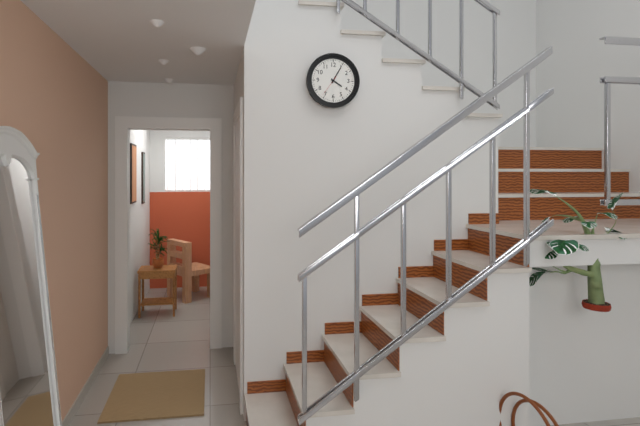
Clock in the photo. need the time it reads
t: 4:05
